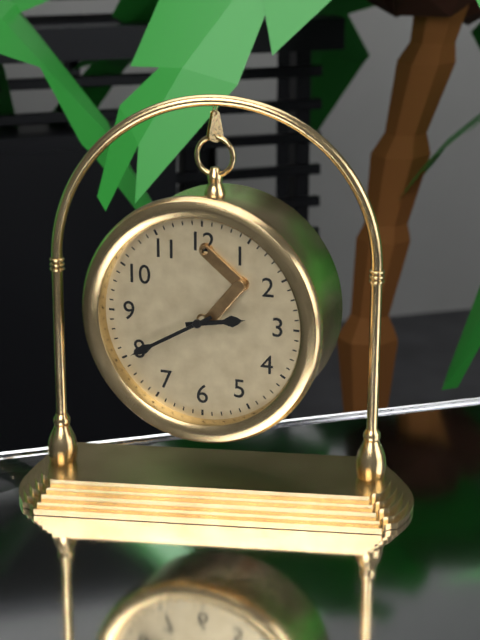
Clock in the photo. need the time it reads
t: 2:40
